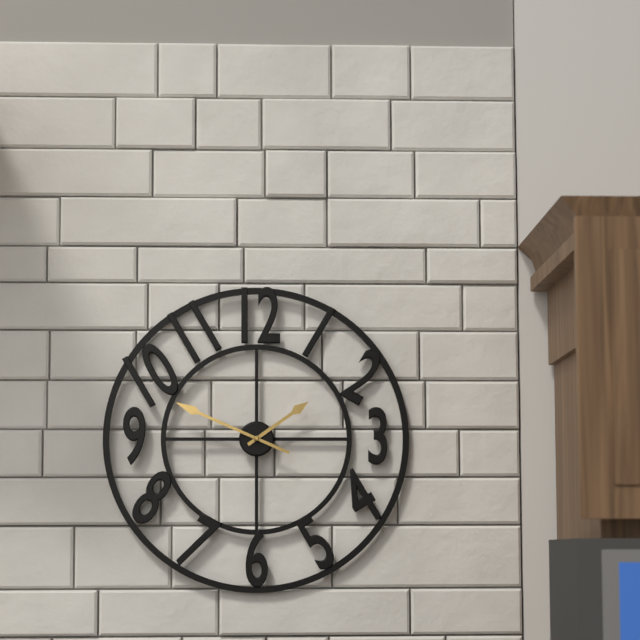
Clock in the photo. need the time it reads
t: 1:49
